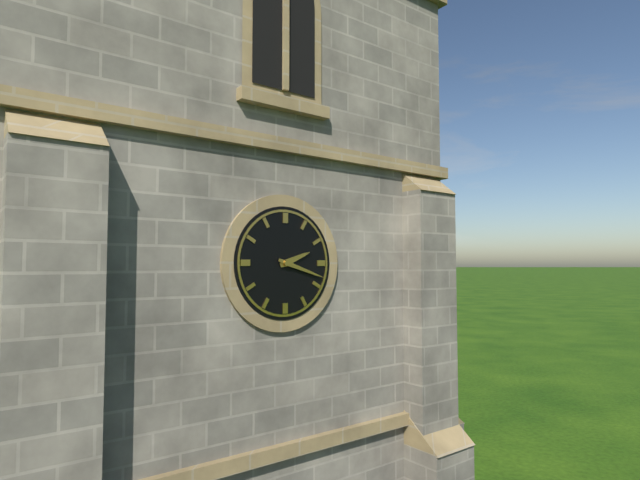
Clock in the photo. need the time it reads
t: 2:18
